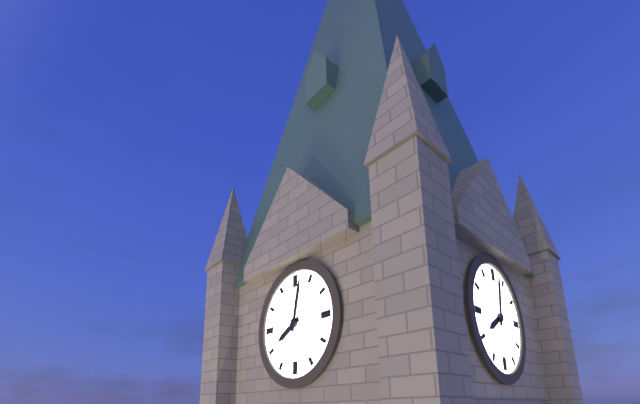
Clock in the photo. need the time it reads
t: 8:02
